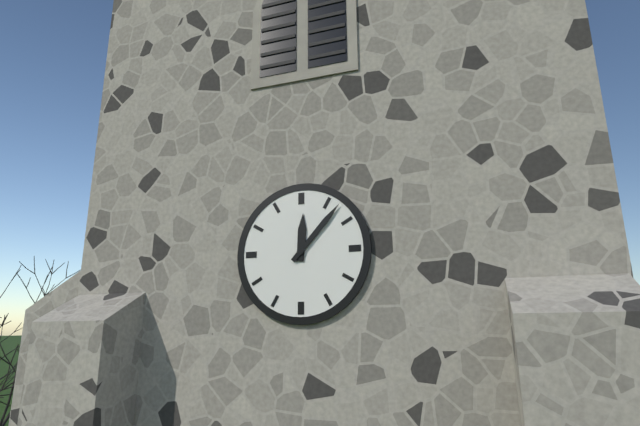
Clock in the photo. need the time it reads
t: 12:07
